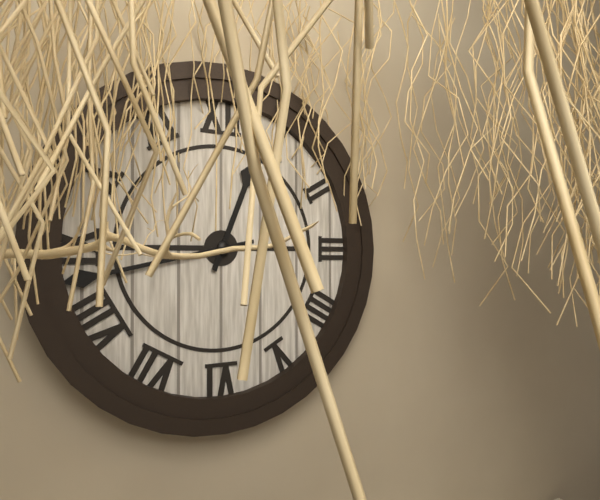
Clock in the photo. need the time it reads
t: 12:43
